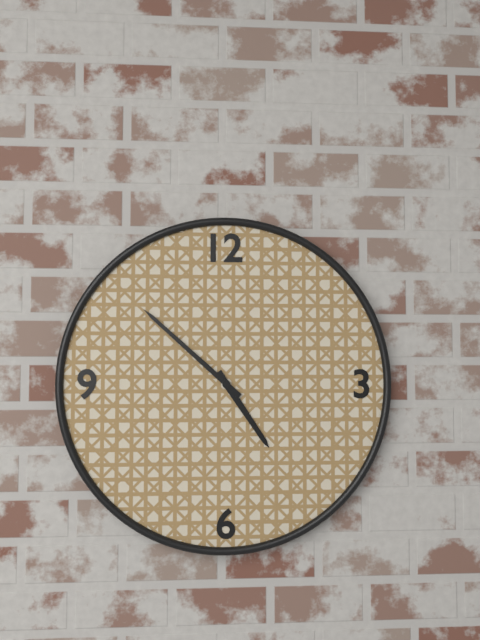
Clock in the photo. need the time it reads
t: 4:52
